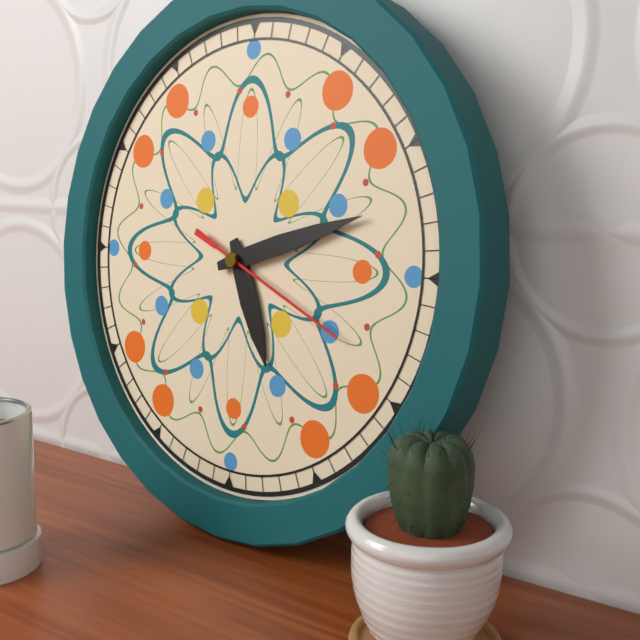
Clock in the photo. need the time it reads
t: 5:12:19
